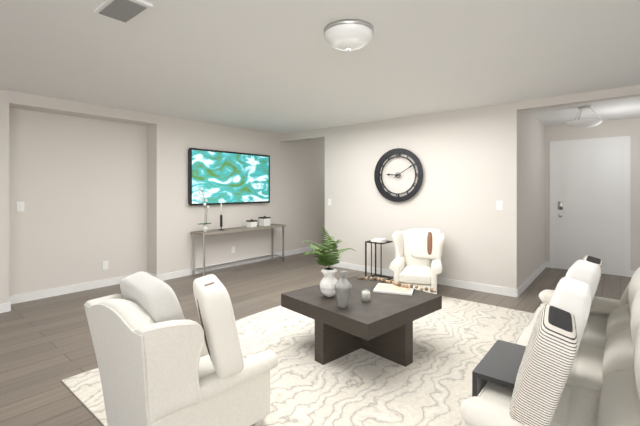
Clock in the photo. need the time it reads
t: 9:10
